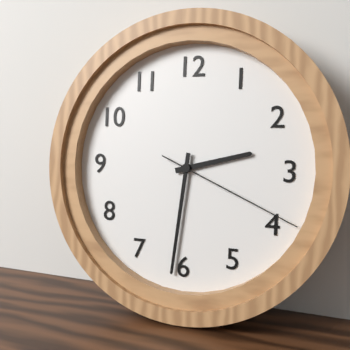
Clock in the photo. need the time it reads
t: 2:31:19
